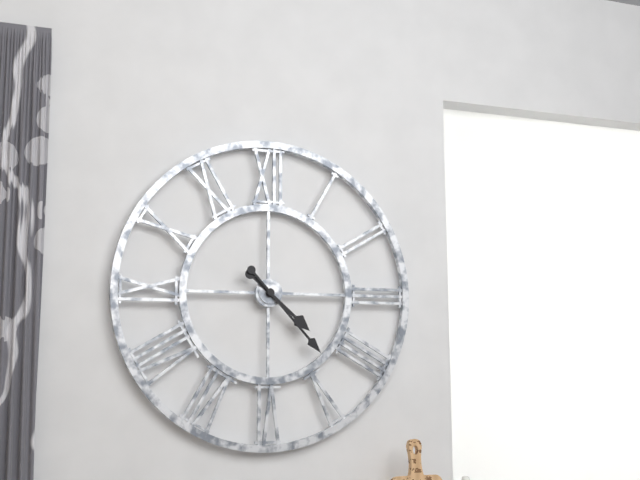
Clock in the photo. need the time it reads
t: 4:23
